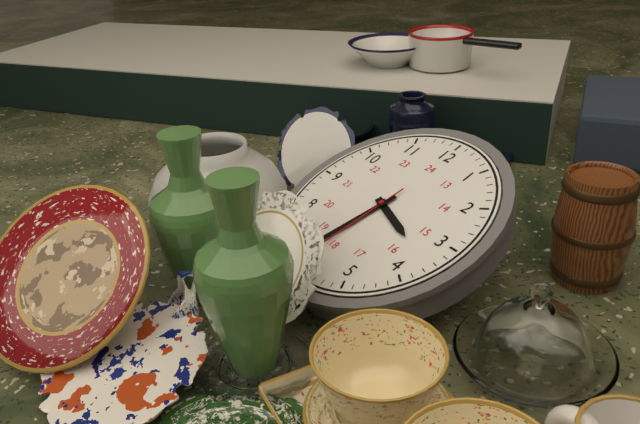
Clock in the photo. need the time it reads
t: 3:32:31
